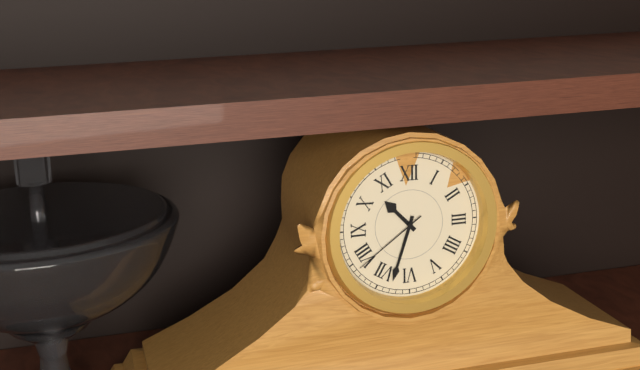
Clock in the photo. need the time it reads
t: 10:33:39
